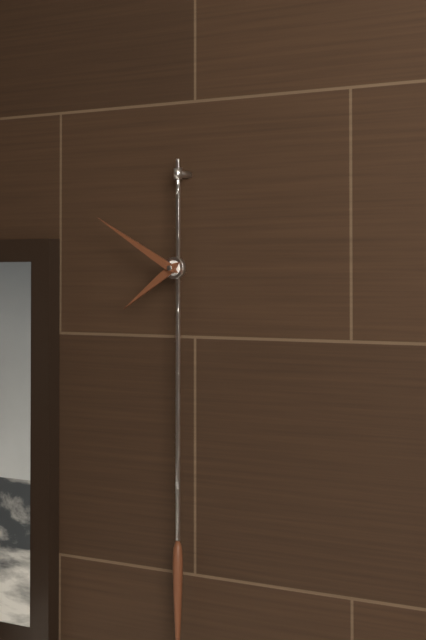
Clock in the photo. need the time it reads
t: 7:50
